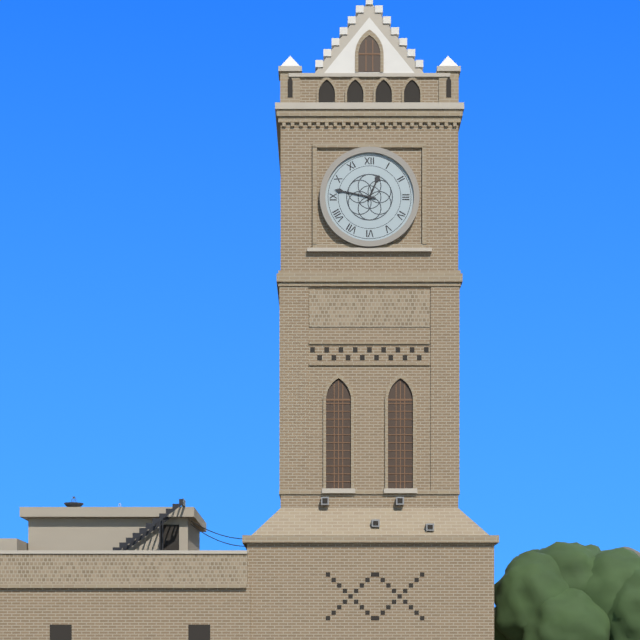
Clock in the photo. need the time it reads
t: 12:47
